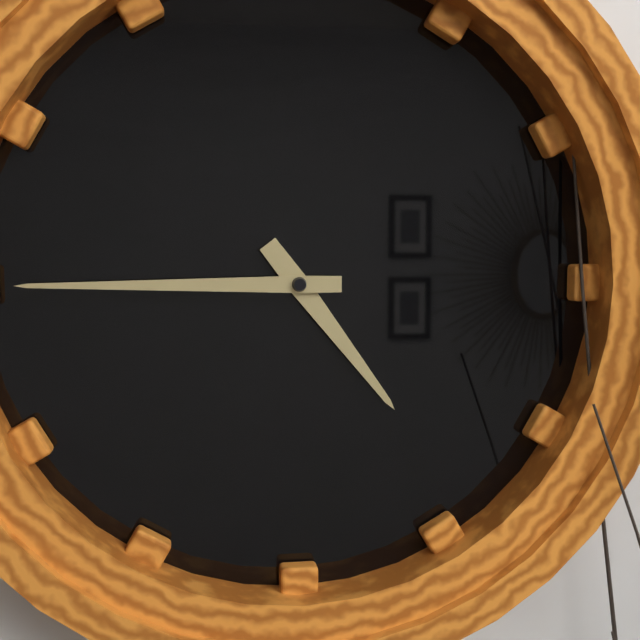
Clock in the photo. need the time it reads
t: 4:45
